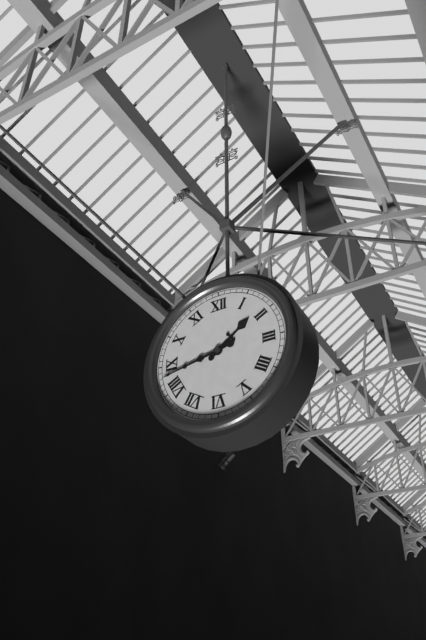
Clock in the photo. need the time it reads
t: 1:43
